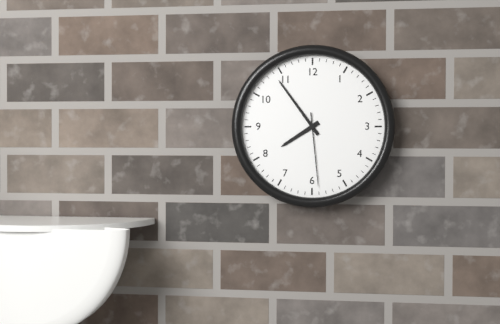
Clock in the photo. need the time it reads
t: 7:54:29
